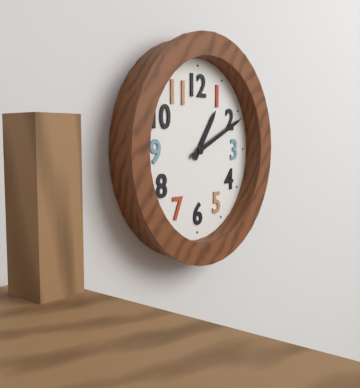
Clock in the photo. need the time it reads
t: 1:11
